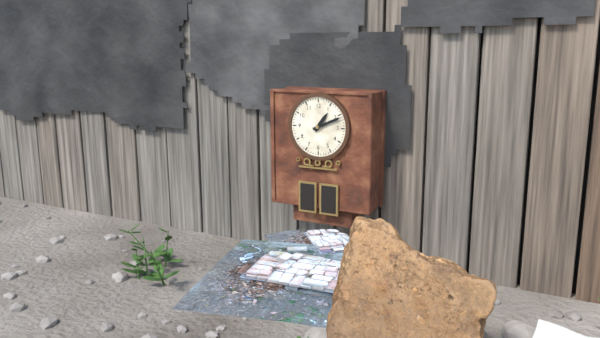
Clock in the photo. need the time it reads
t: 1:11
